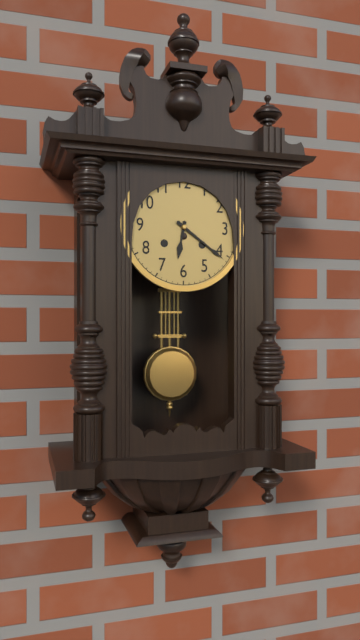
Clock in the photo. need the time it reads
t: 6:21
